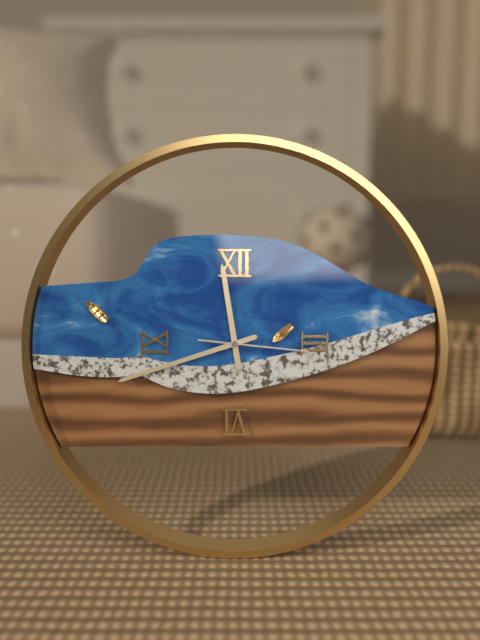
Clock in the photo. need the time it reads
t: 11:42:16
